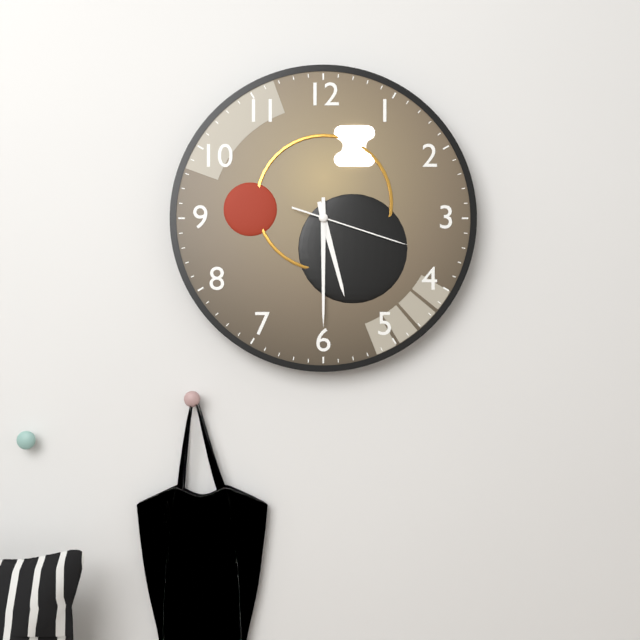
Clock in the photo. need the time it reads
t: 5:30:18
